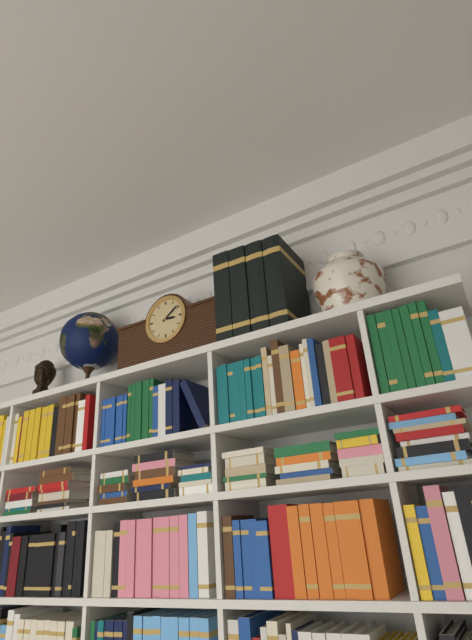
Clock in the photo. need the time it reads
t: 3:09
